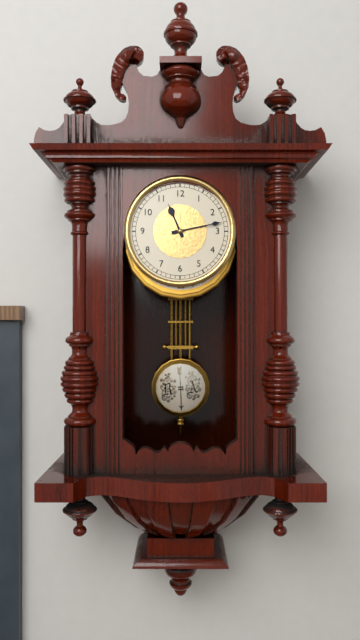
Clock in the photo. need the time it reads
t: 11:13
